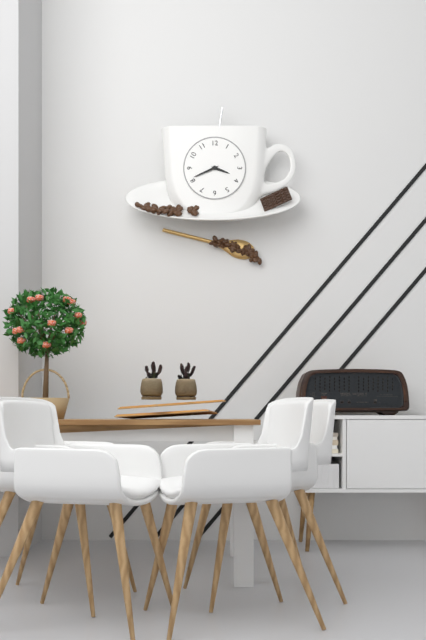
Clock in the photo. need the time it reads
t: 3:41
